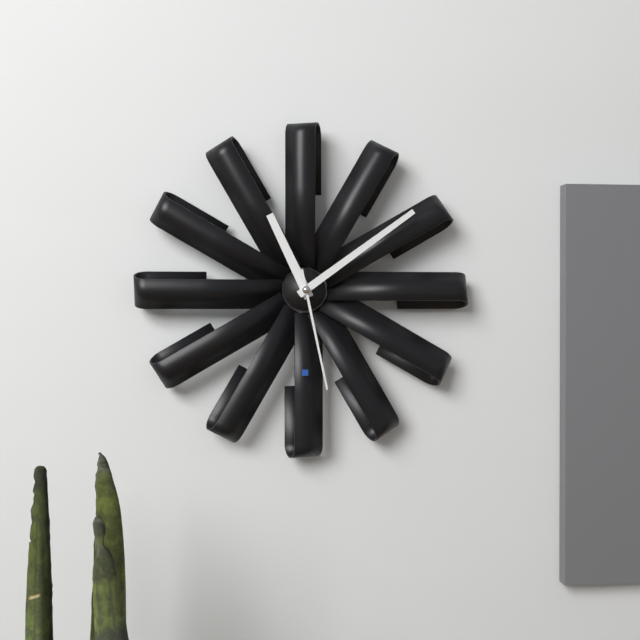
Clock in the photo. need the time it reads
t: 11:09:28
